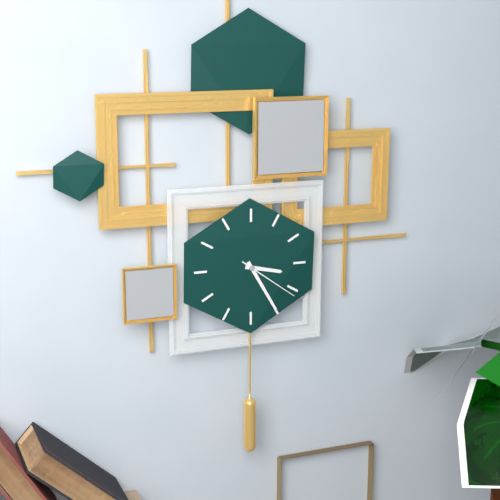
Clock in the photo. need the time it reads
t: 3:25:21
